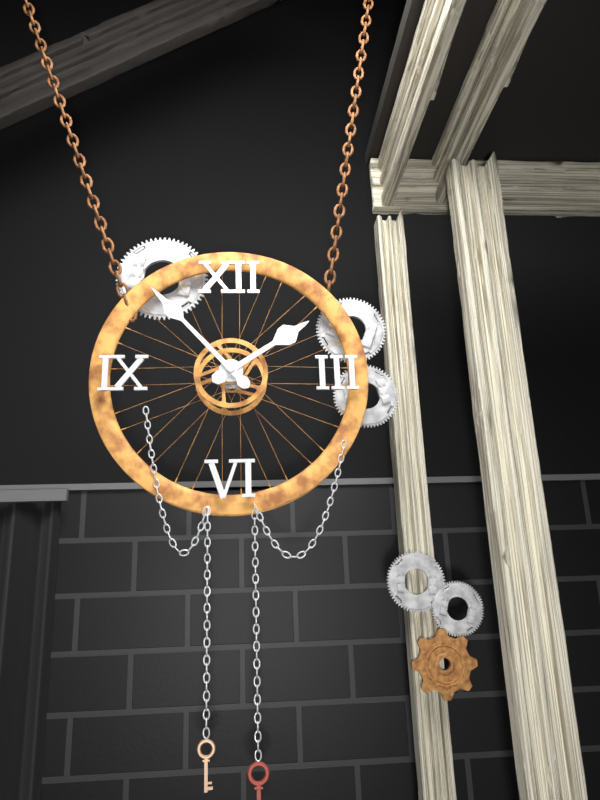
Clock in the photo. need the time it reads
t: 1:53
